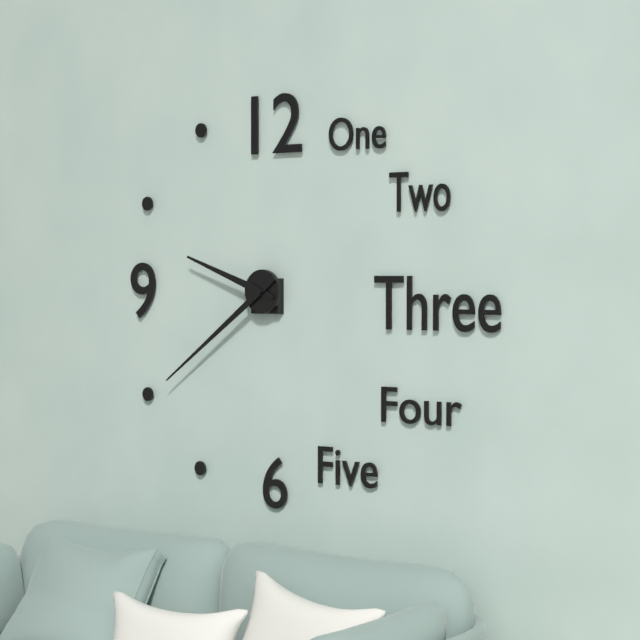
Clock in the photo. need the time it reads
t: 9:39
